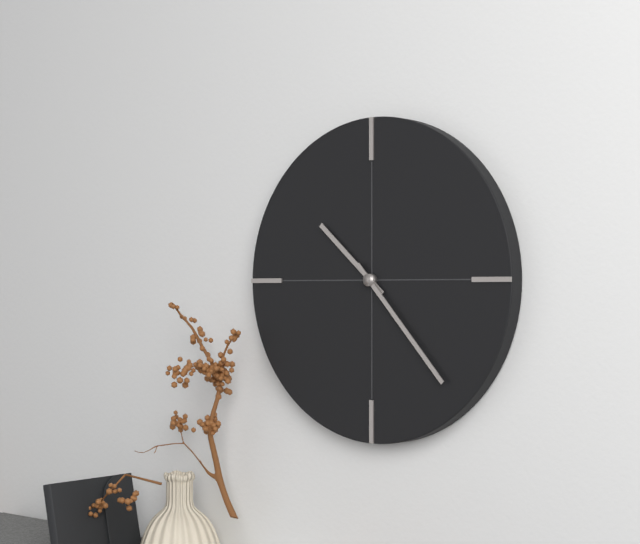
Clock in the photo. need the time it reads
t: 10:23
